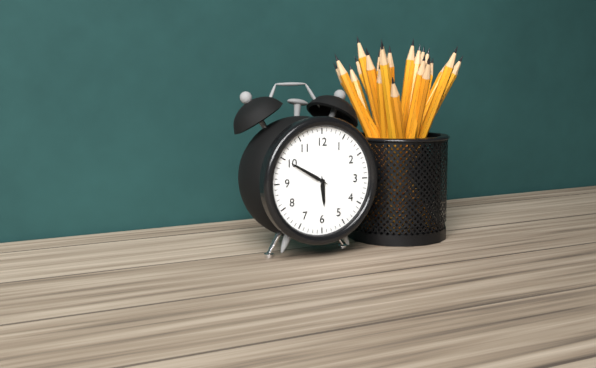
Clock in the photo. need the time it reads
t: 5:50
